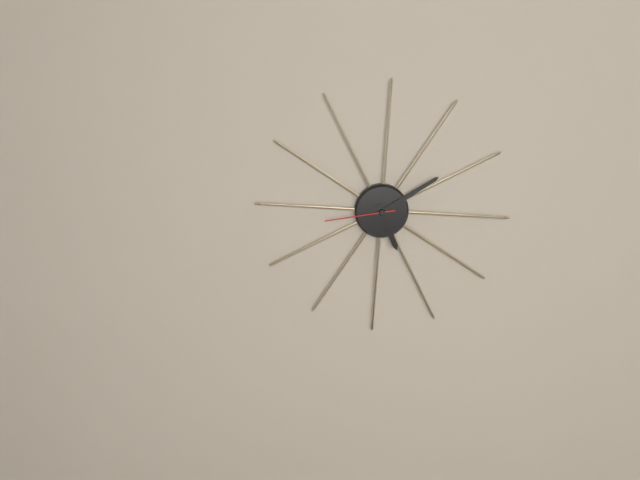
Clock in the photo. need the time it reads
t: 5:09:43
